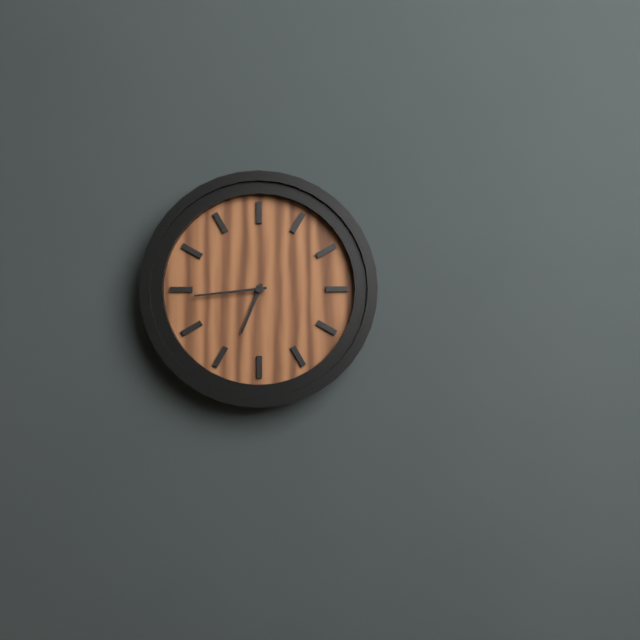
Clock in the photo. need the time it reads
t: 6:44
